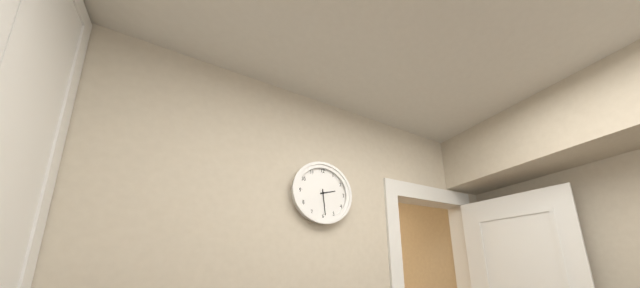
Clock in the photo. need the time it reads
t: 2:29
